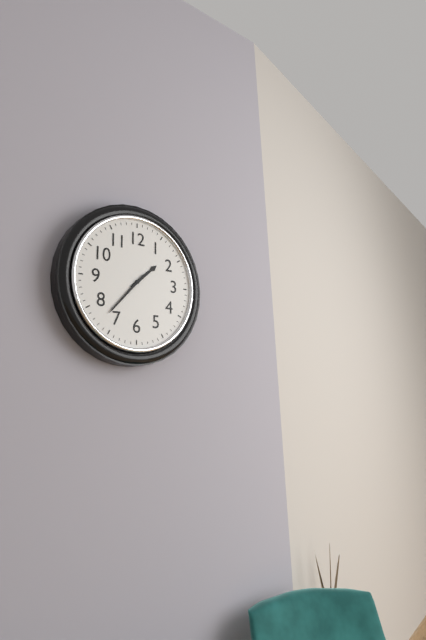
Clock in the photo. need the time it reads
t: 1:37
